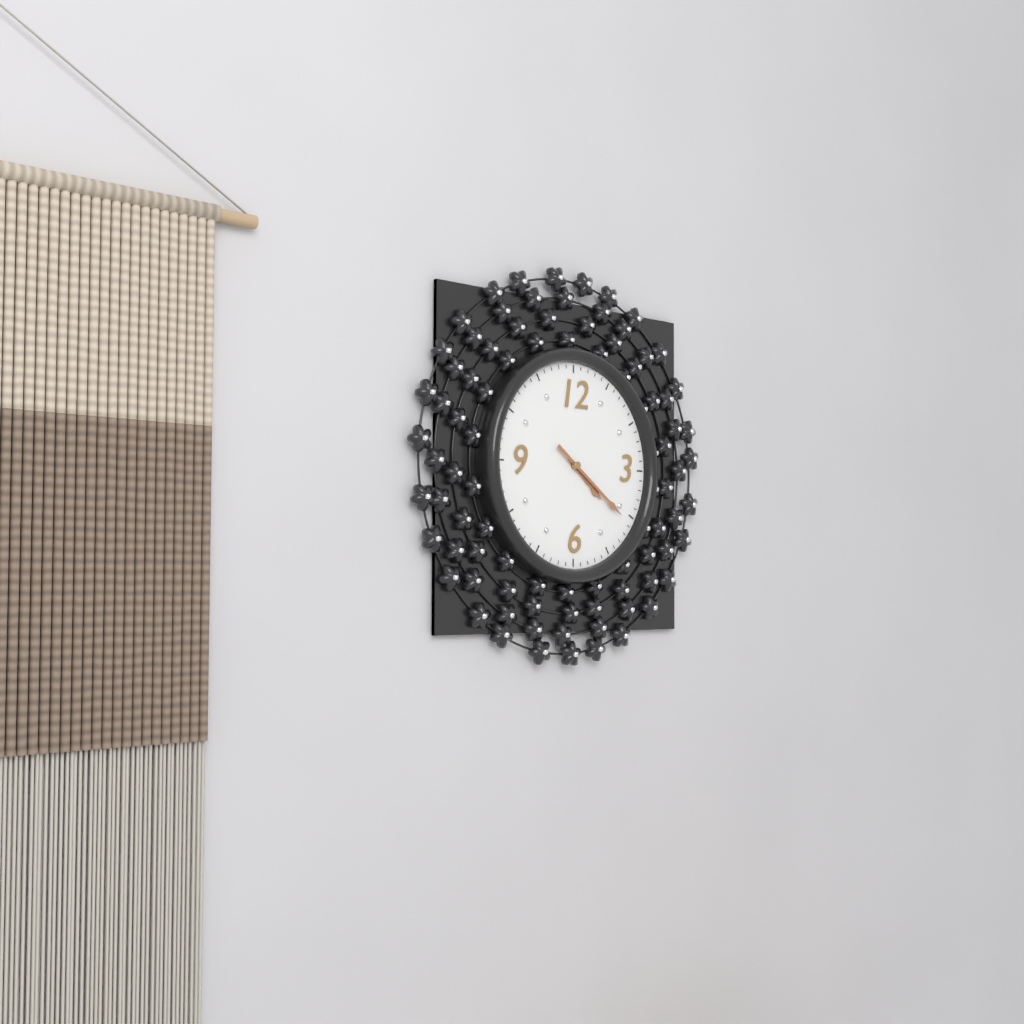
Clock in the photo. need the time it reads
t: 4:21
